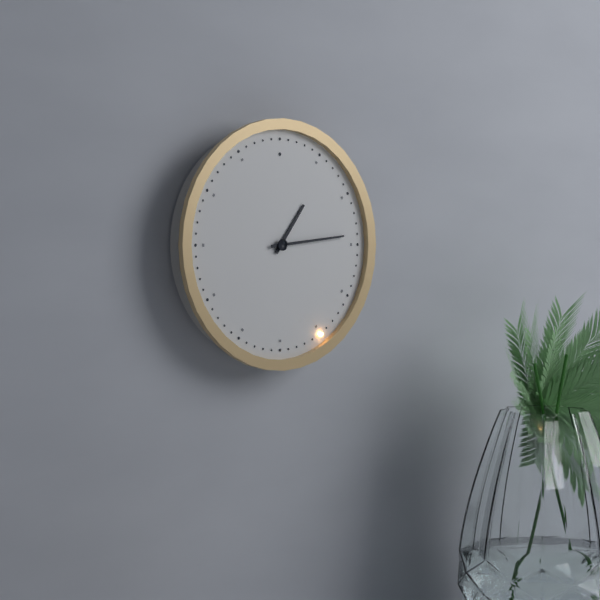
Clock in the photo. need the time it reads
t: 1:14
